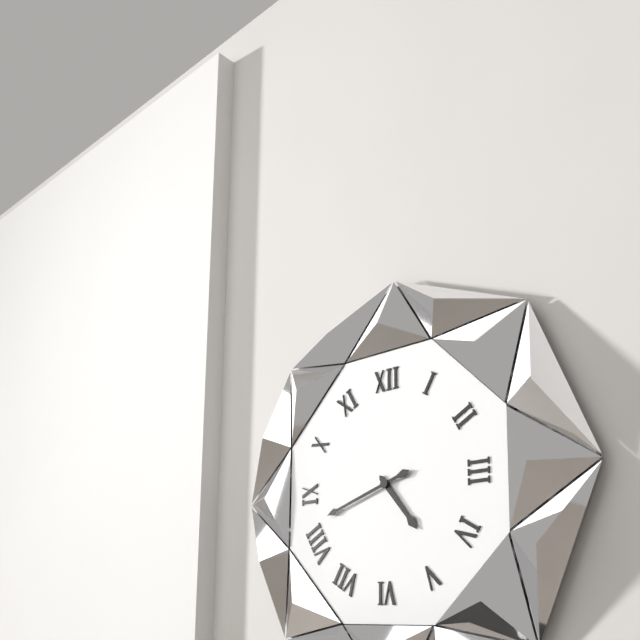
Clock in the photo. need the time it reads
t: 4:42
